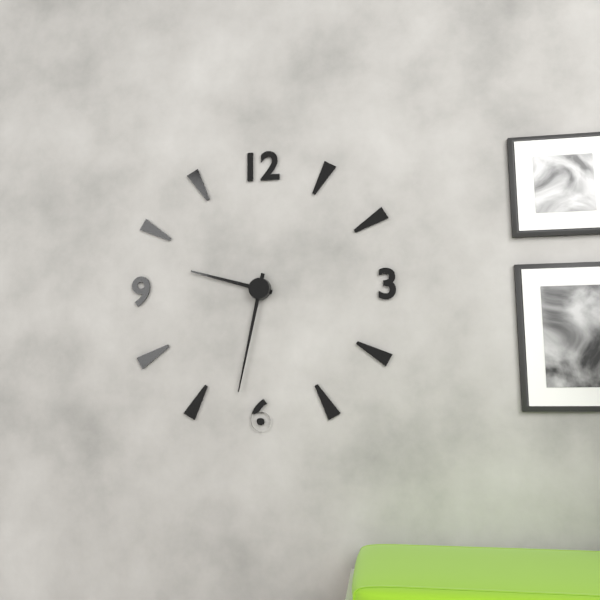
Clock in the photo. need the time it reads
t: 9:32
